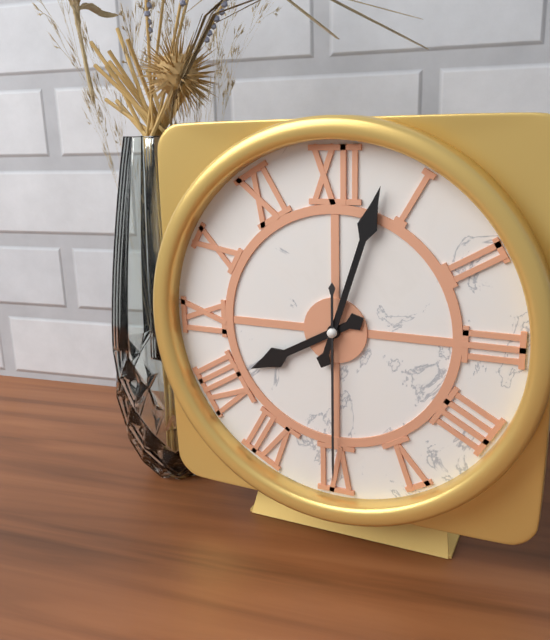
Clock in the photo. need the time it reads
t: 8:03:30
